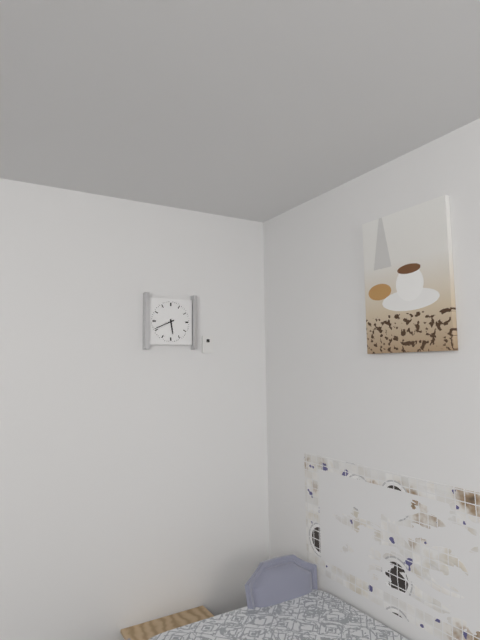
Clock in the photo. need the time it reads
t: 5:41
